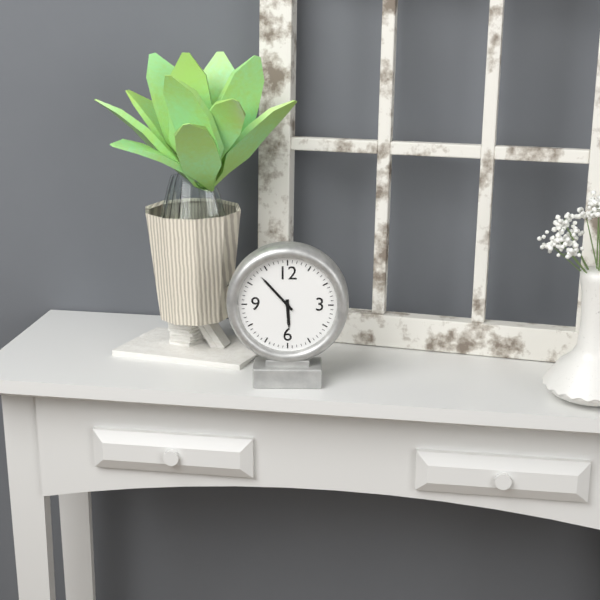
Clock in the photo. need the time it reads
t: 5:53
